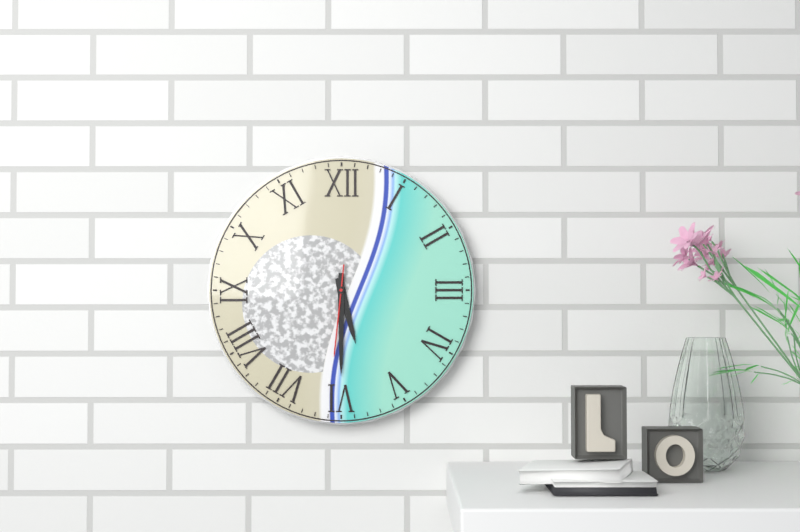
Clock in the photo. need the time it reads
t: 5:30:31
